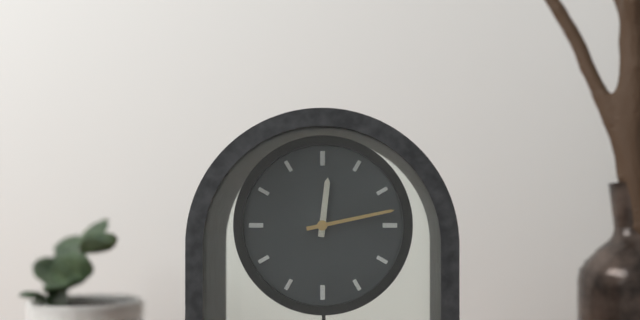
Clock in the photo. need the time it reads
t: 12:13
